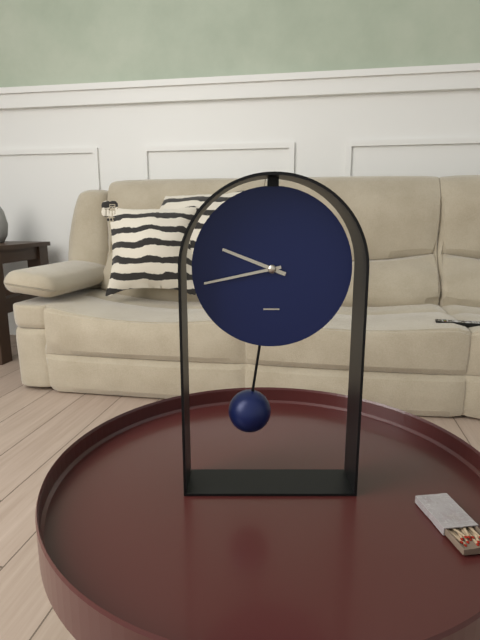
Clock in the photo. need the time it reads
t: 9:43
